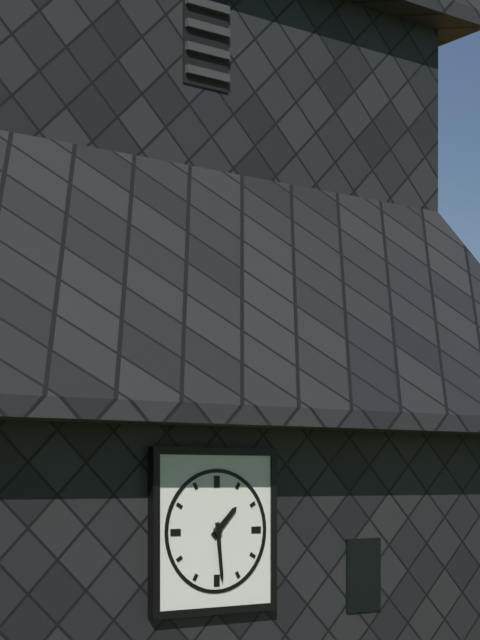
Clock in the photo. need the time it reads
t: 1:29
